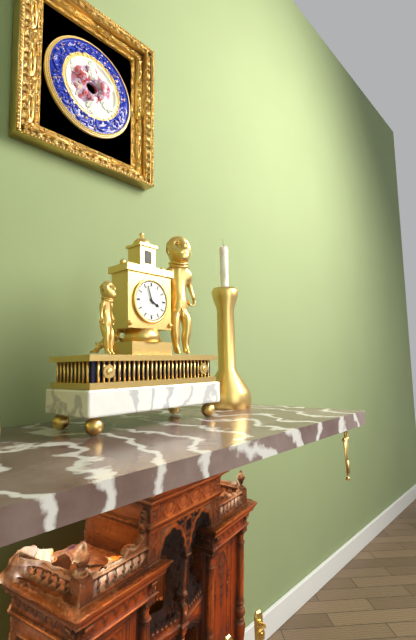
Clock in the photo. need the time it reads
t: 3:57
